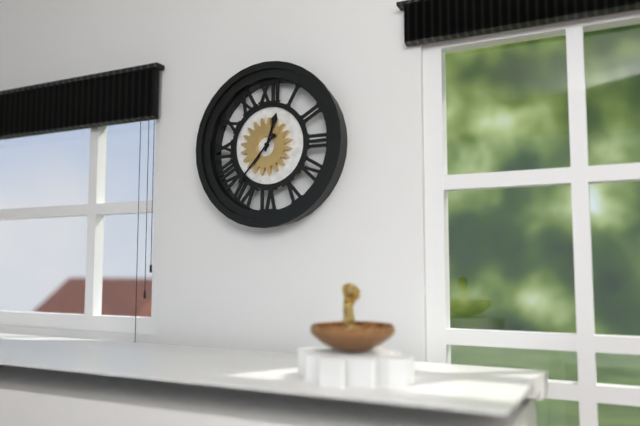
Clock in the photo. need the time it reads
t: 12:37
